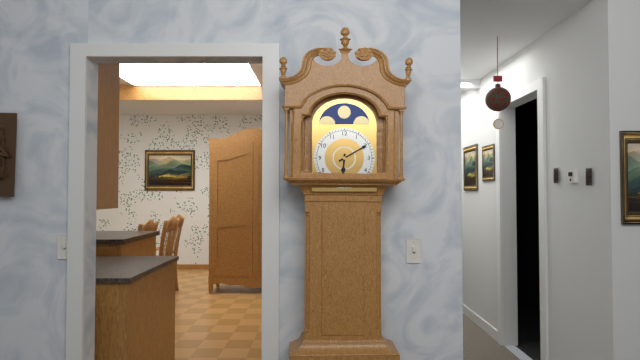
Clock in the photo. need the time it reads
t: 6:10
